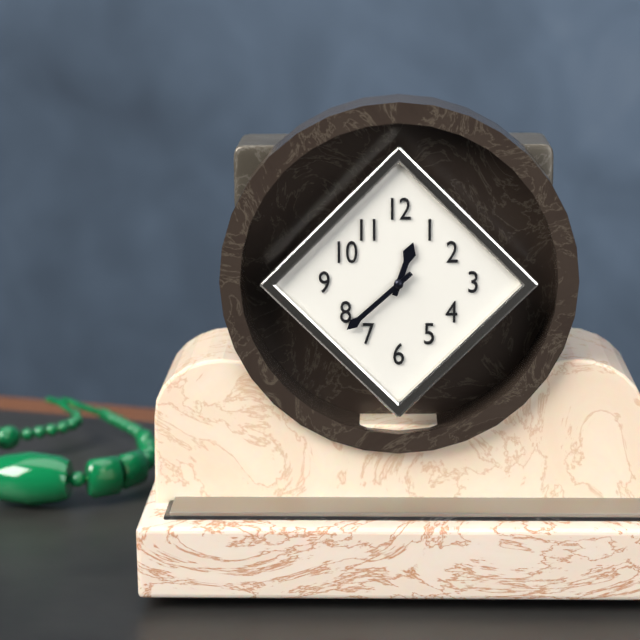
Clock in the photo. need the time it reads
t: 12:38
